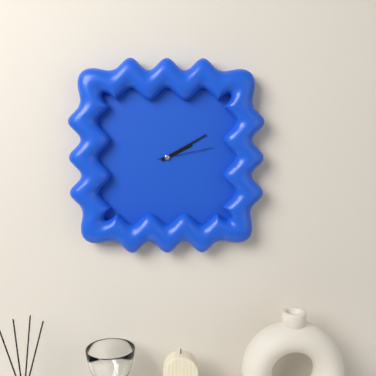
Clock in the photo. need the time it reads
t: 2:10:13
